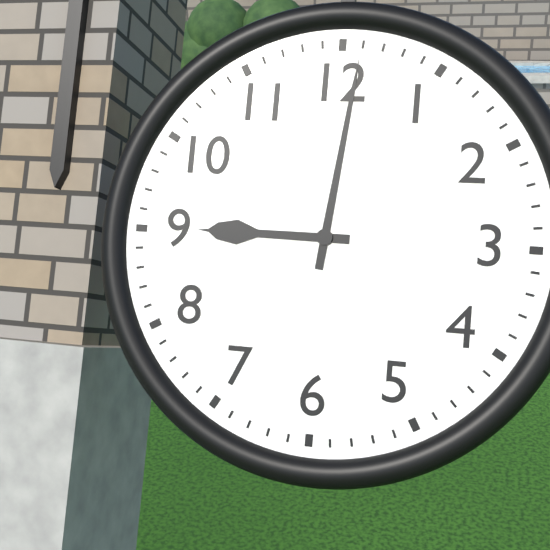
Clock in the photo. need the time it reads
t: 9:01
